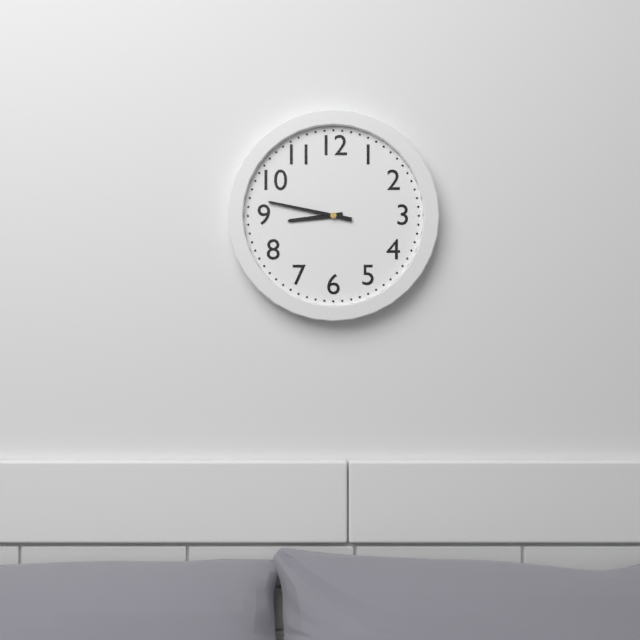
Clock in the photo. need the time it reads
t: 8:47
